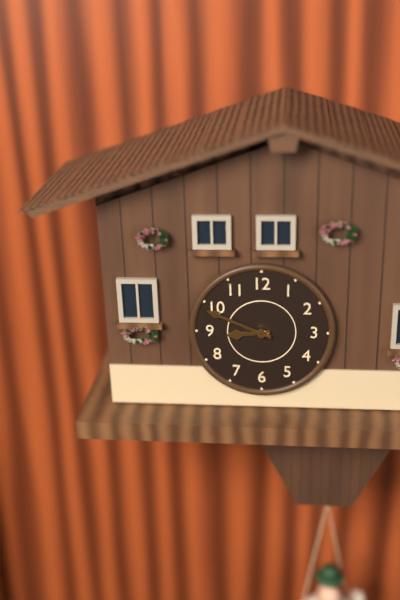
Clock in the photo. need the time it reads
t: 8:49
